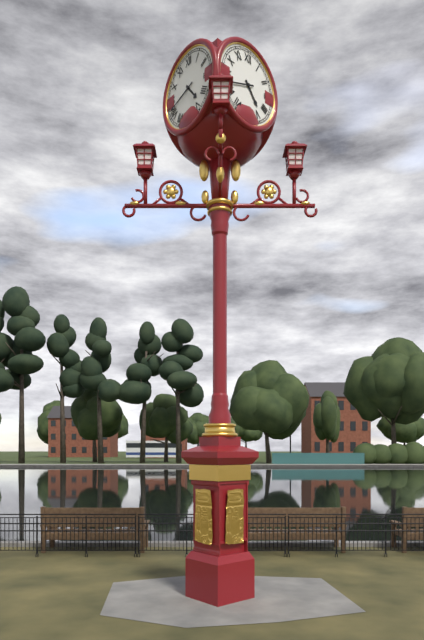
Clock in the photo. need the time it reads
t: 4:42
